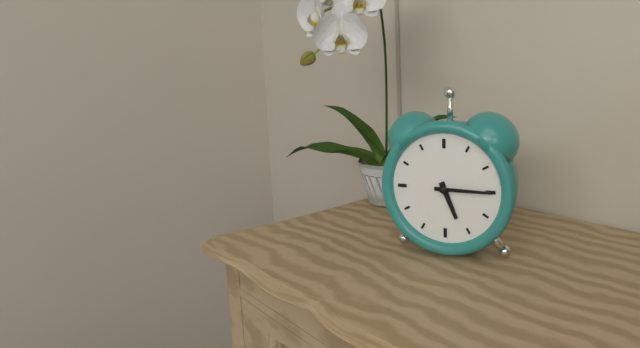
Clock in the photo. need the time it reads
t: 5:15
